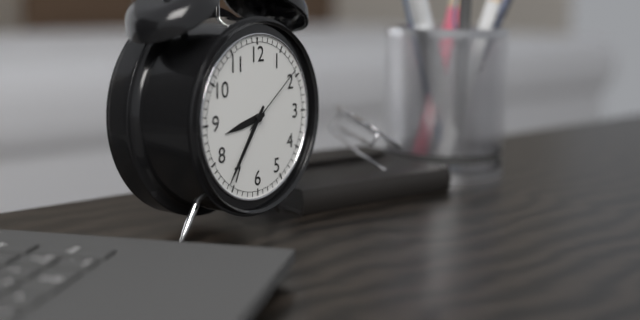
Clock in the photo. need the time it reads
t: 8:36:09
